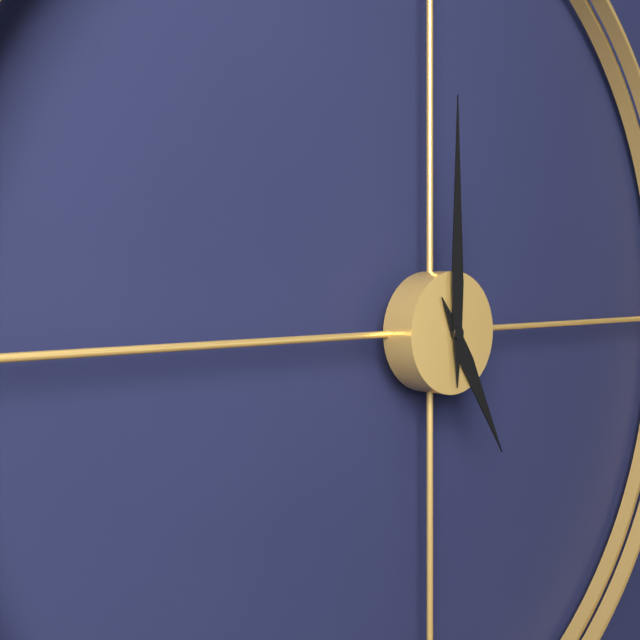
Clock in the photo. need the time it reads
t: 5:00
